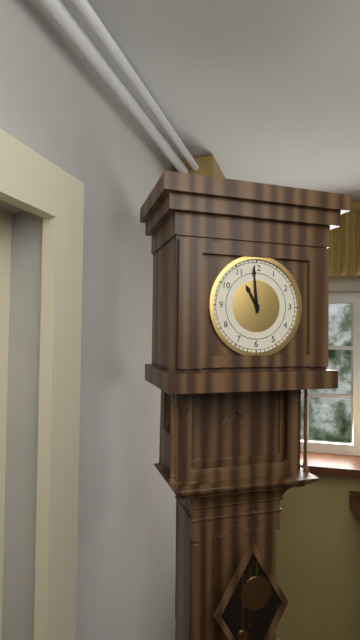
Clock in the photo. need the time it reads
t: 10:59
